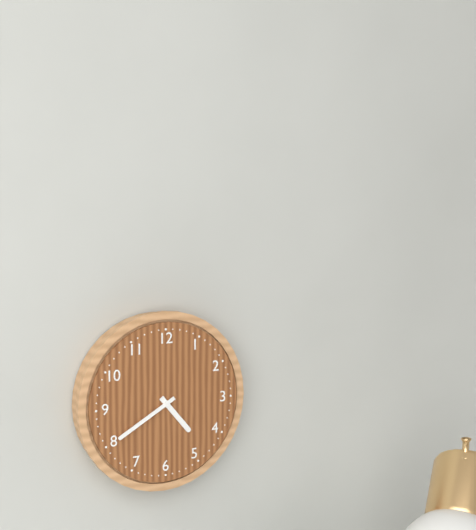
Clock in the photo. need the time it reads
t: 4:40
